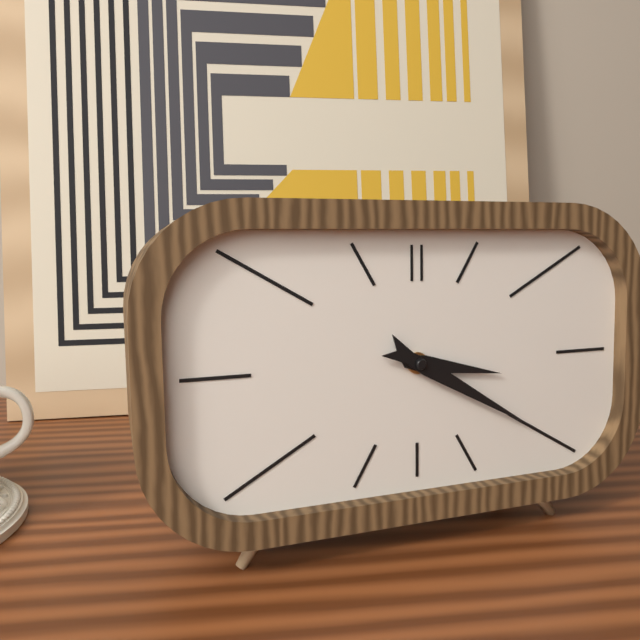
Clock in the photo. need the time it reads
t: 3:20
